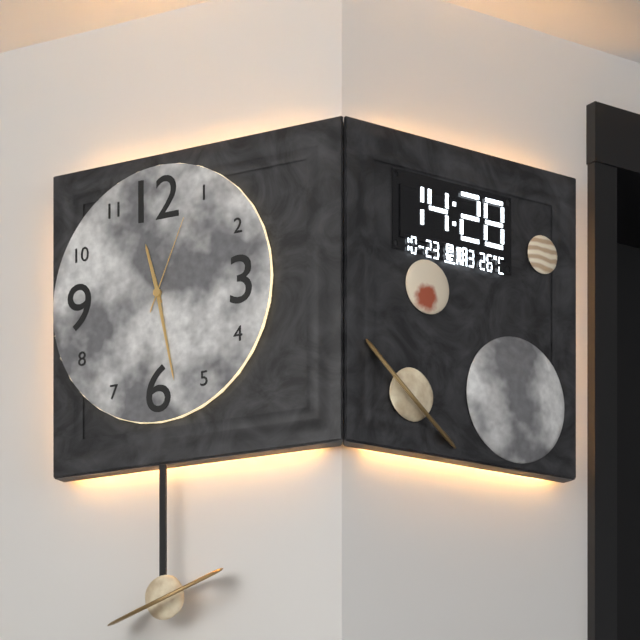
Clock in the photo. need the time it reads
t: 11:28:04
